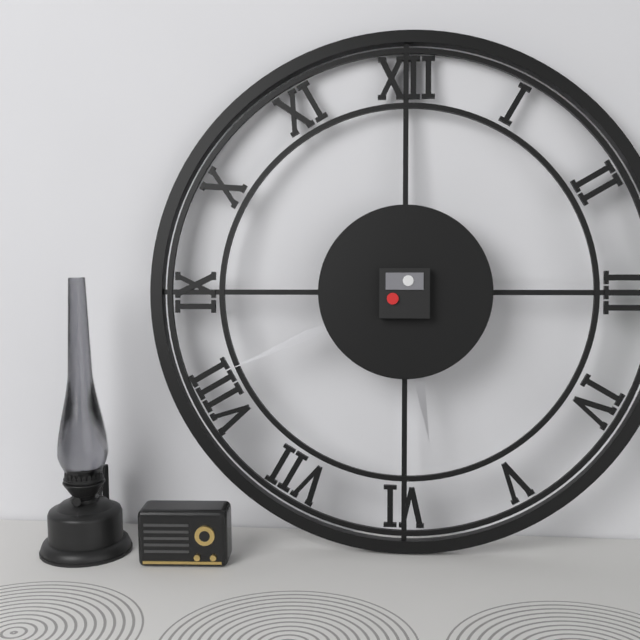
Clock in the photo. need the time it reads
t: 5:41
